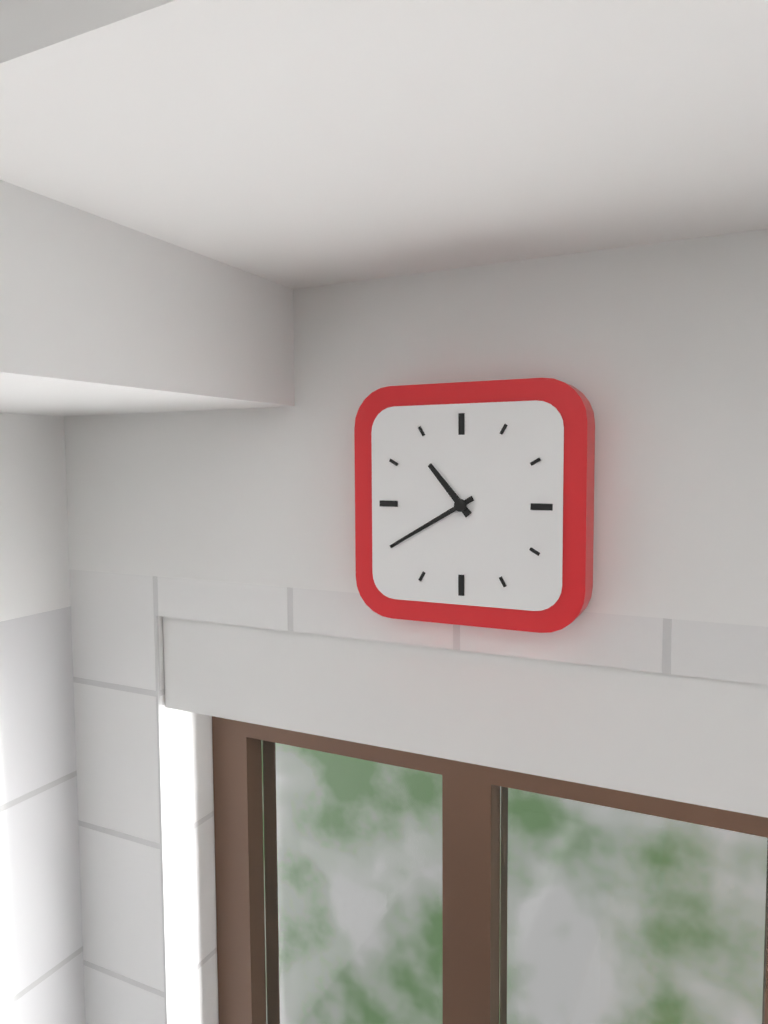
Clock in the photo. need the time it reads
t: 10:40
